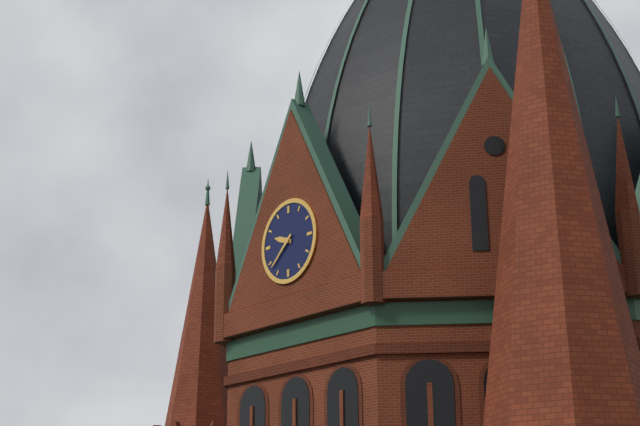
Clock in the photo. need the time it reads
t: 9:38
